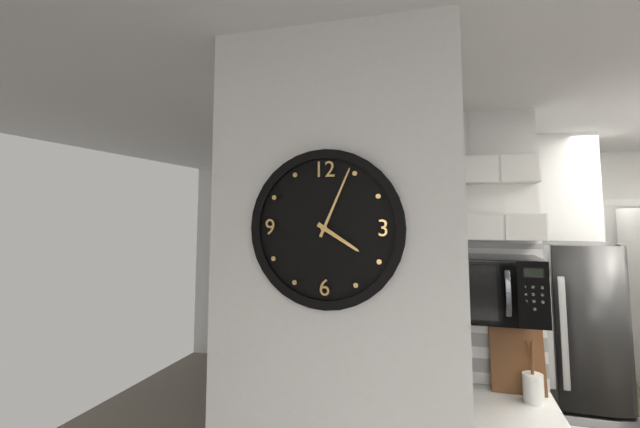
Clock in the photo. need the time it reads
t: 4:04
